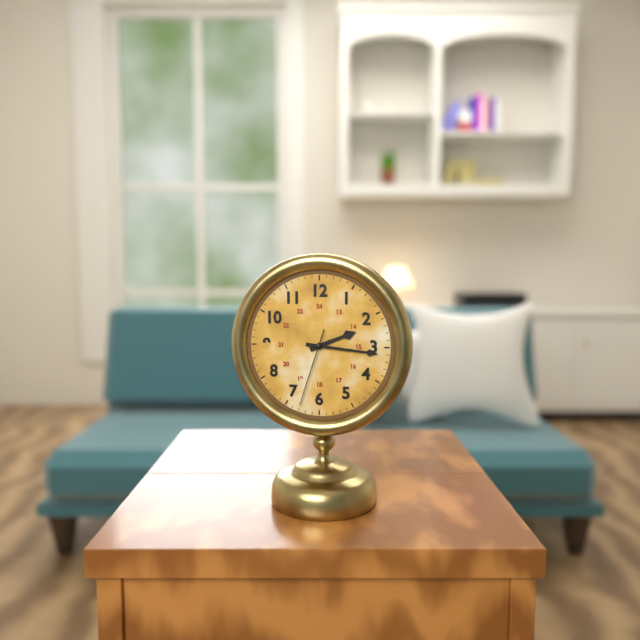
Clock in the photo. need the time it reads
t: 2:16:33
